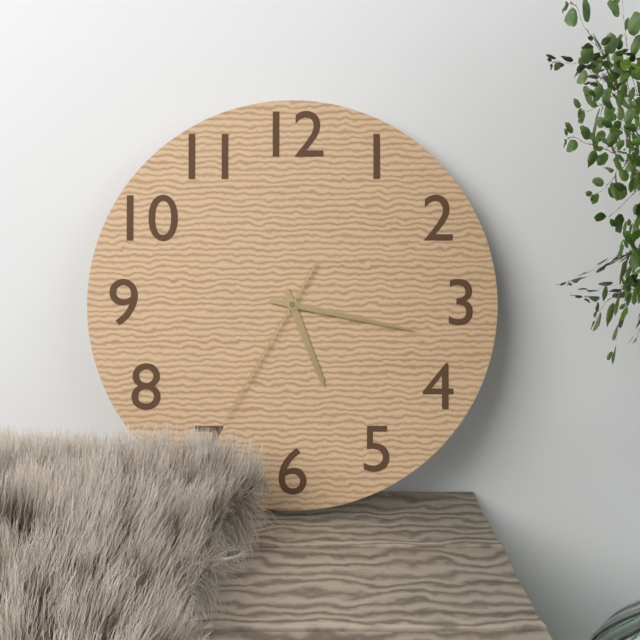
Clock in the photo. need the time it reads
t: 5:17:35
